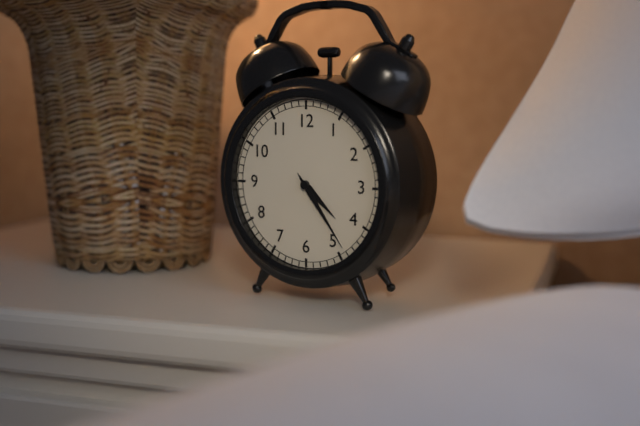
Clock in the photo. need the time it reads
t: 4:24
